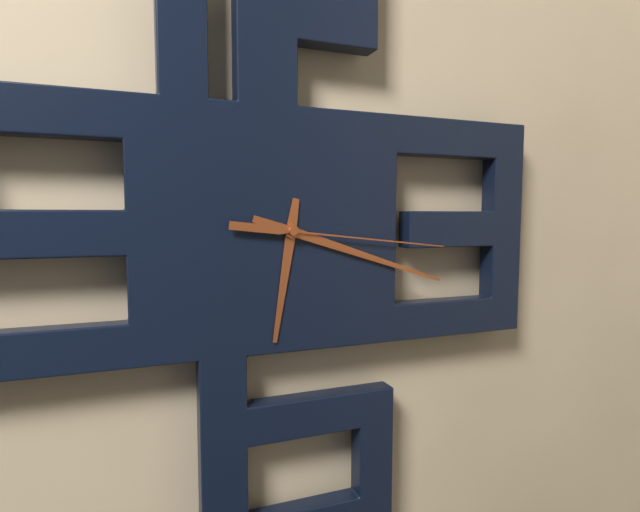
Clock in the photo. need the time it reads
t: 6:18:16
